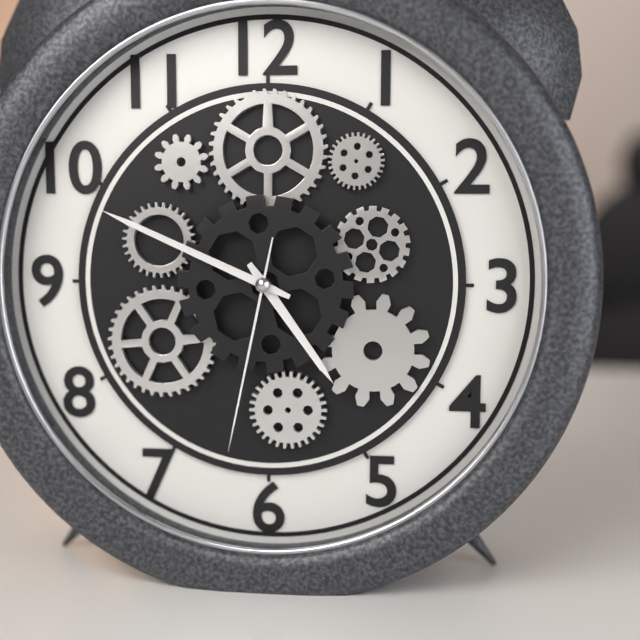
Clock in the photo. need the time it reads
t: 4:49:32
